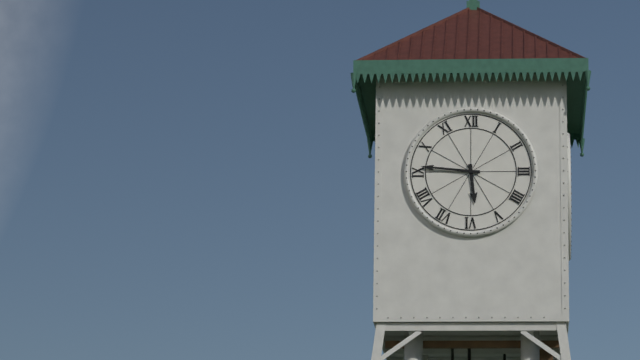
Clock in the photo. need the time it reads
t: 5:46
